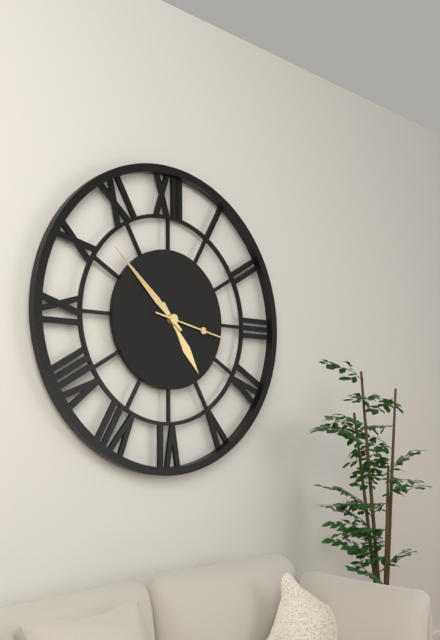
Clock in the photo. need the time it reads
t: 4:52:17
